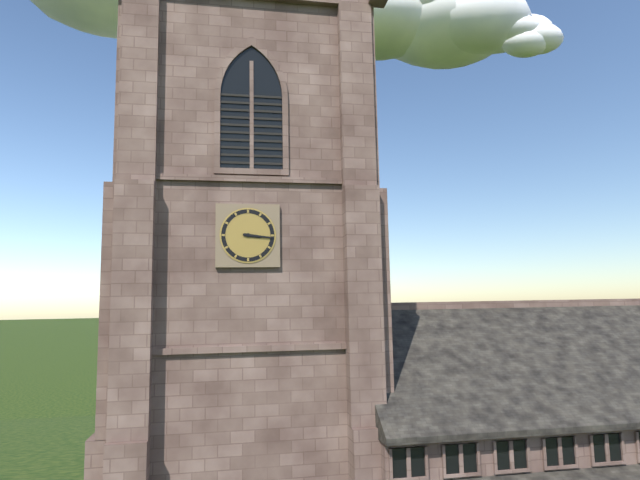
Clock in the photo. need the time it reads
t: 3:16
